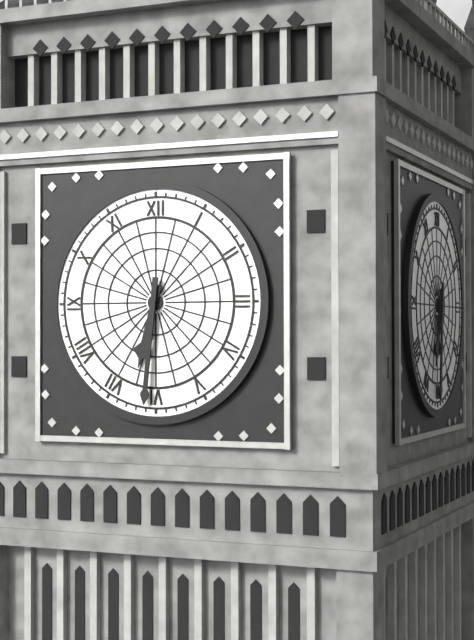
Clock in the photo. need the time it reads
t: 6:31
